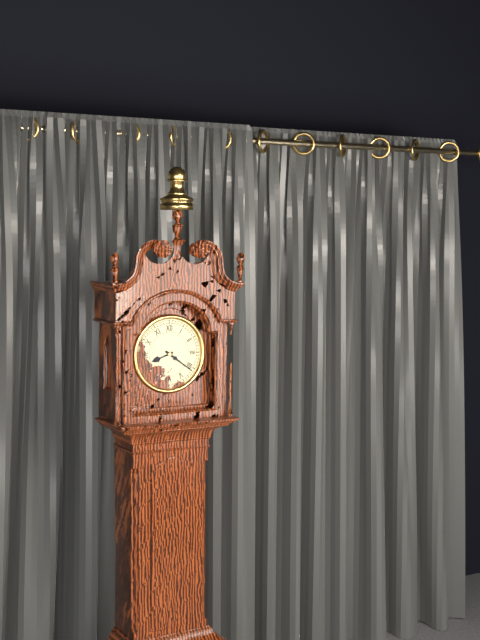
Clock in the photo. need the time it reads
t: 8:21
